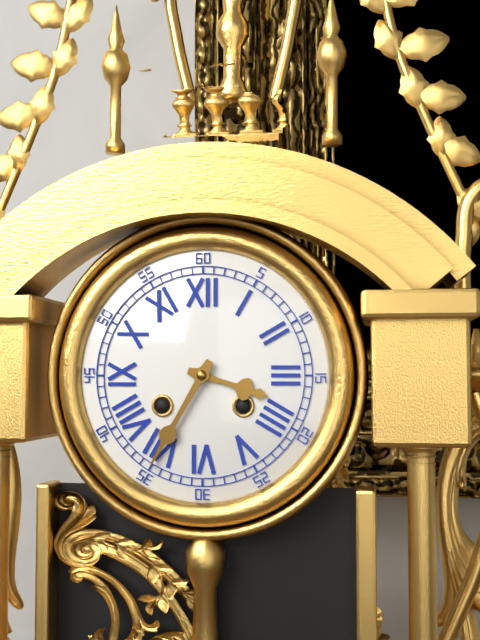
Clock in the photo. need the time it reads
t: 3:35
